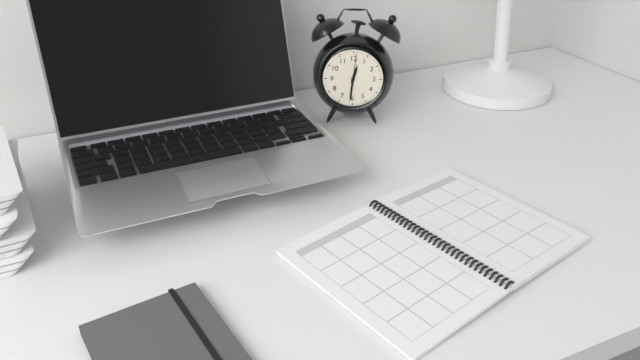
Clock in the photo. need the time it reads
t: 12:31
